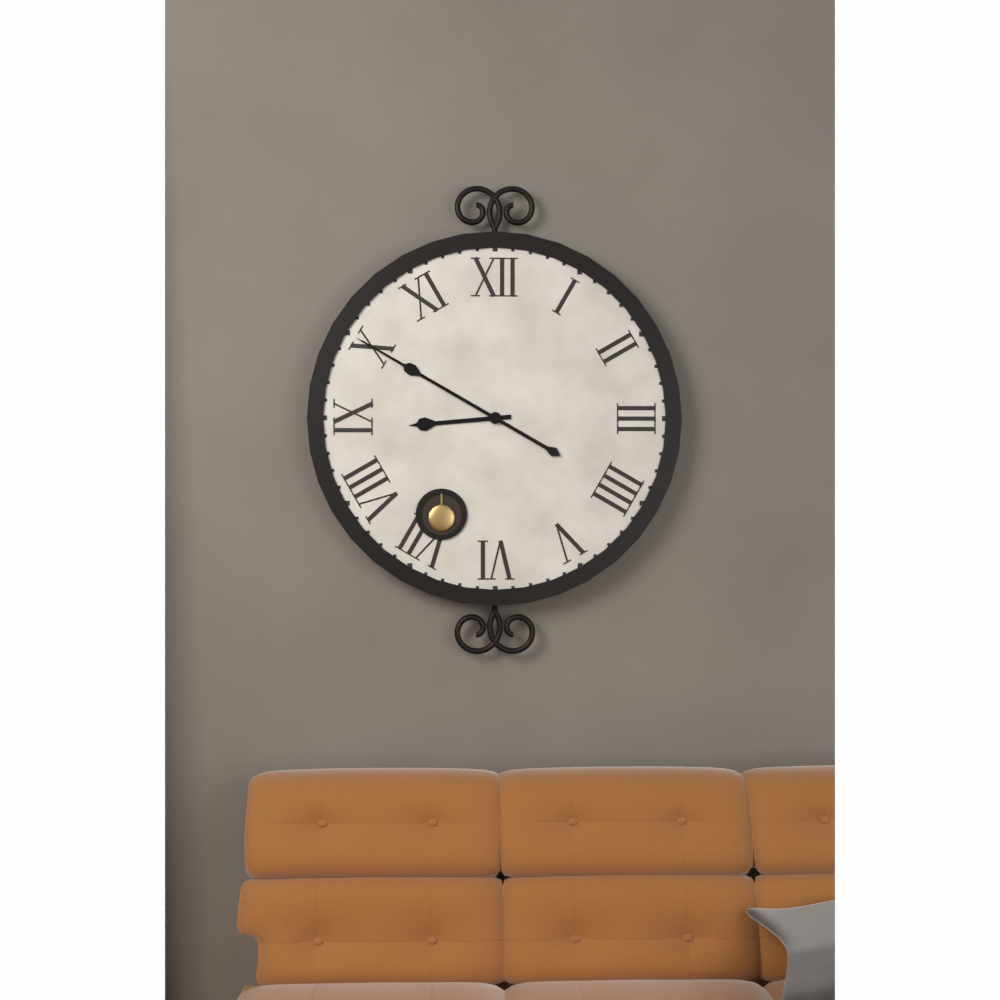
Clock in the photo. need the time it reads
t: 8:50
